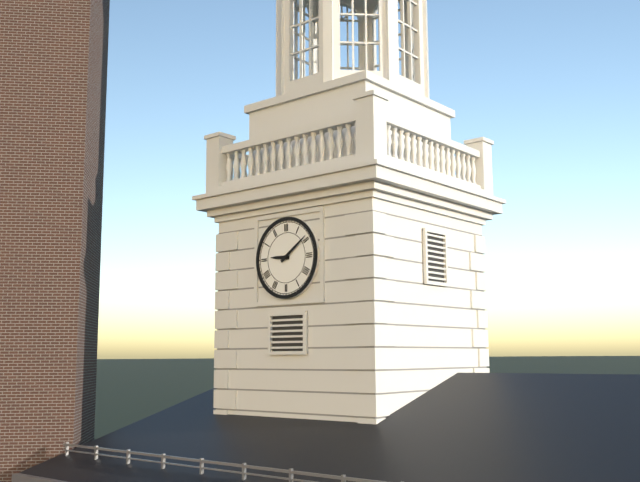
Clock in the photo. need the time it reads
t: 9:09
